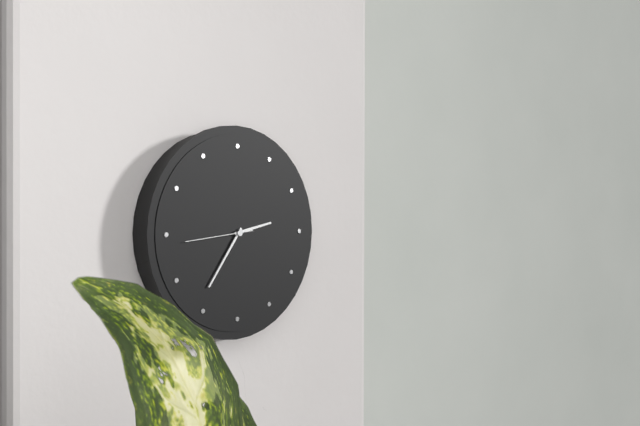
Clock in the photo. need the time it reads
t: 2:36:44
